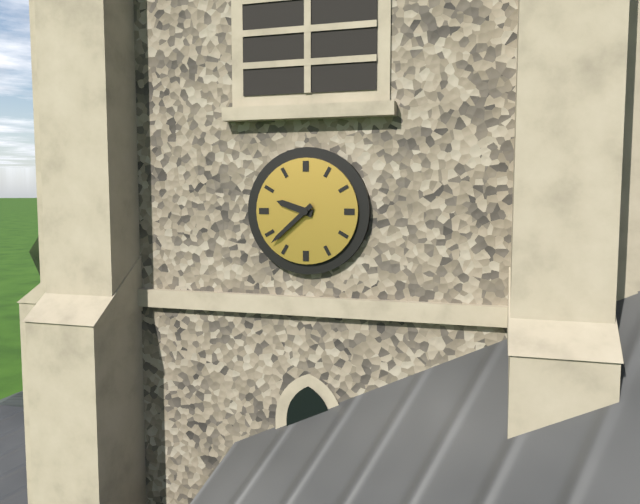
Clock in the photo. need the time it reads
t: 9:38
